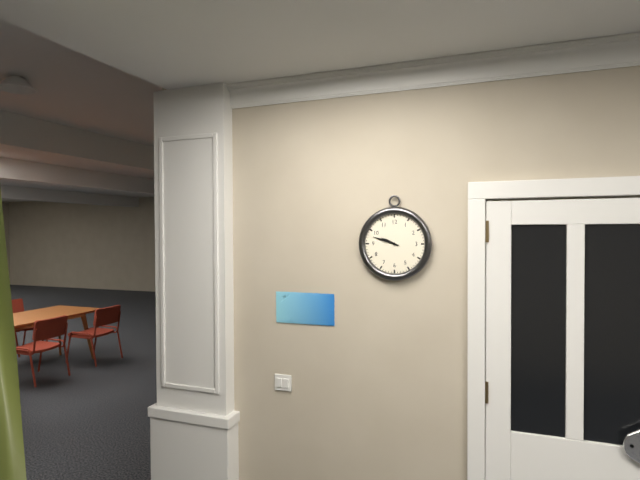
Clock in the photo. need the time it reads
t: 9:48
